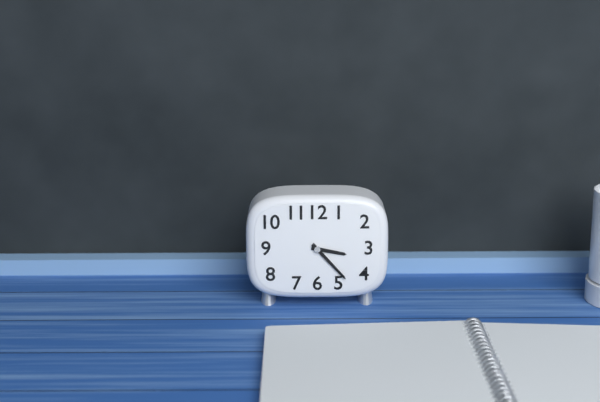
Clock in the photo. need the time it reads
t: 3:23
